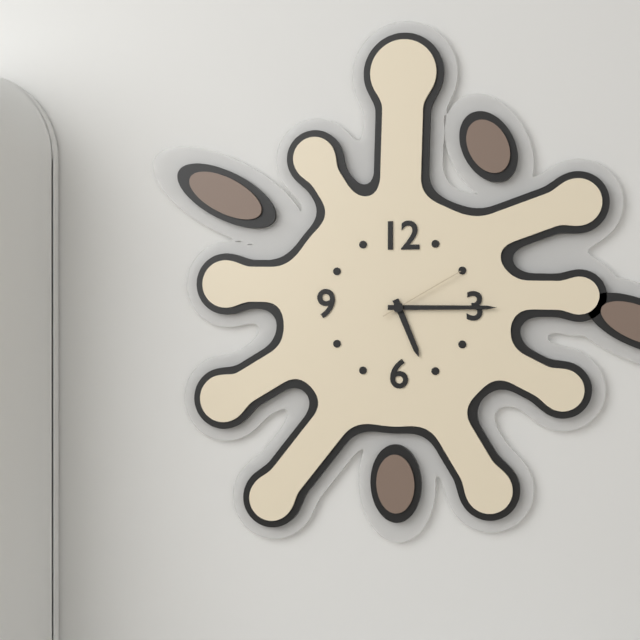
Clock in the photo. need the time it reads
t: 5:15:10
